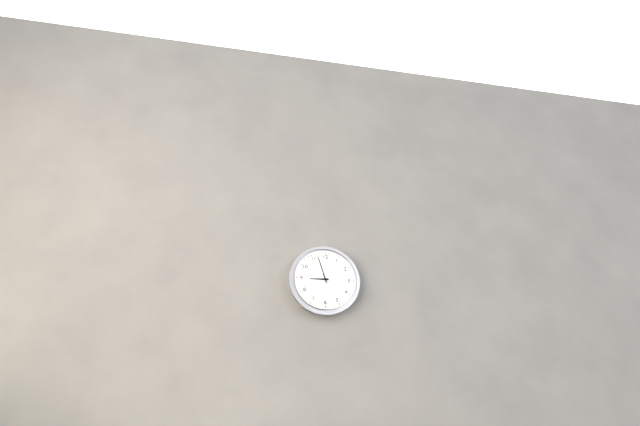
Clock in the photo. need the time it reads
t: 8:57
